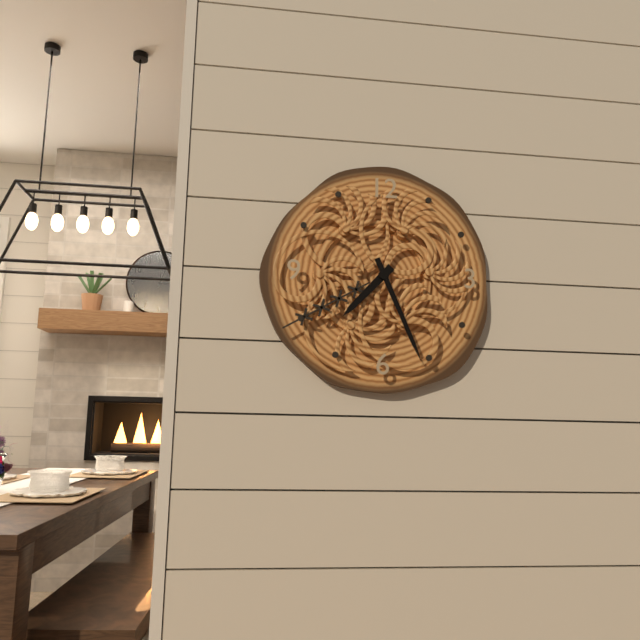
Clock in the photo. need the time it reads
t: 7:26
